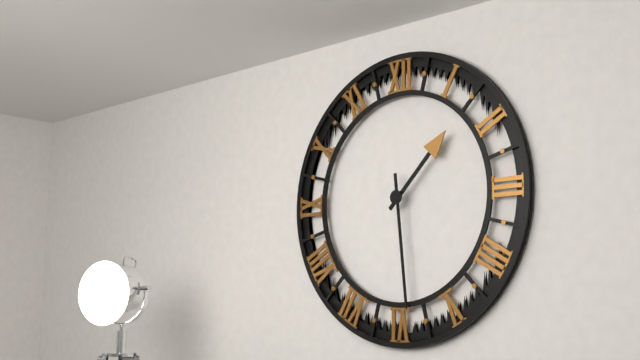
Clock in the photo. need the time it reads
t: 1:29
